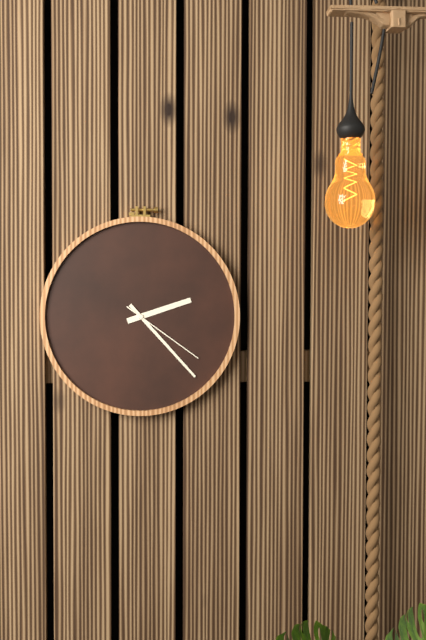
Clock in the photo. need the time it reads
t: 2:23:21
